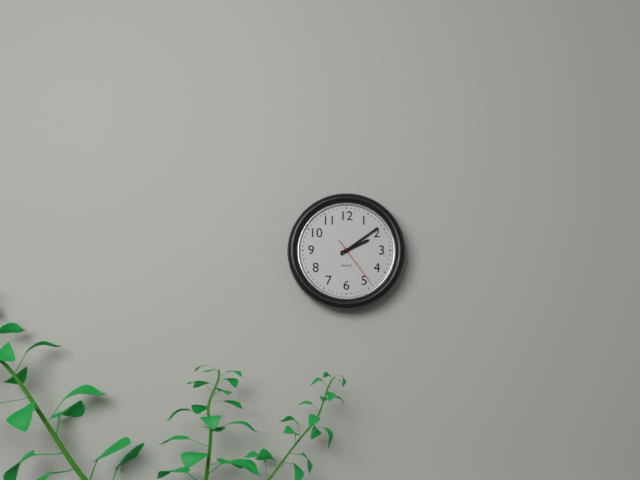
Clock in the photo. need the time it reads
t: 2:09:24
